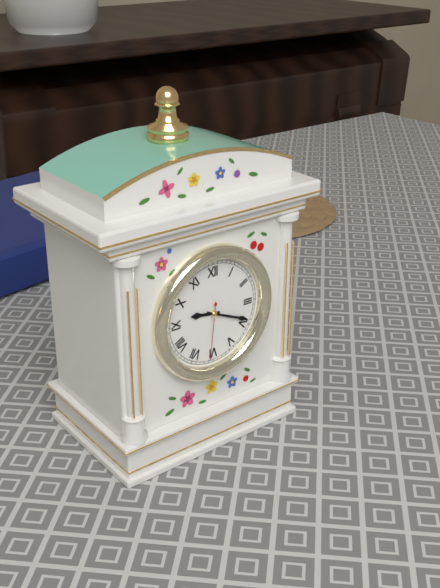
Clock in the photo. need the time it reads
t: 9:19:31
